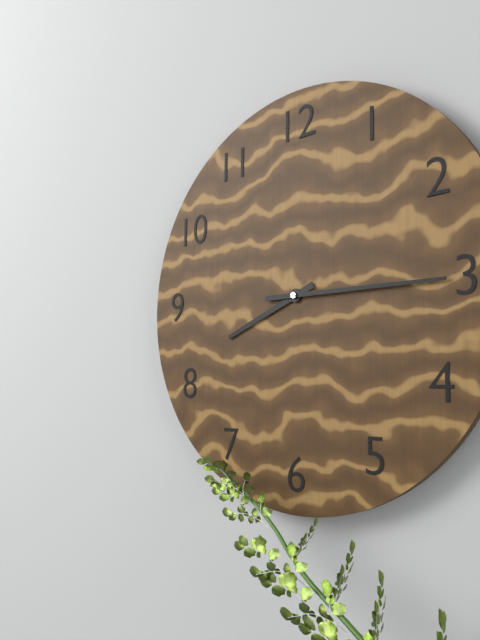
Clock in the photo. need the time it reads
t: 8:15
